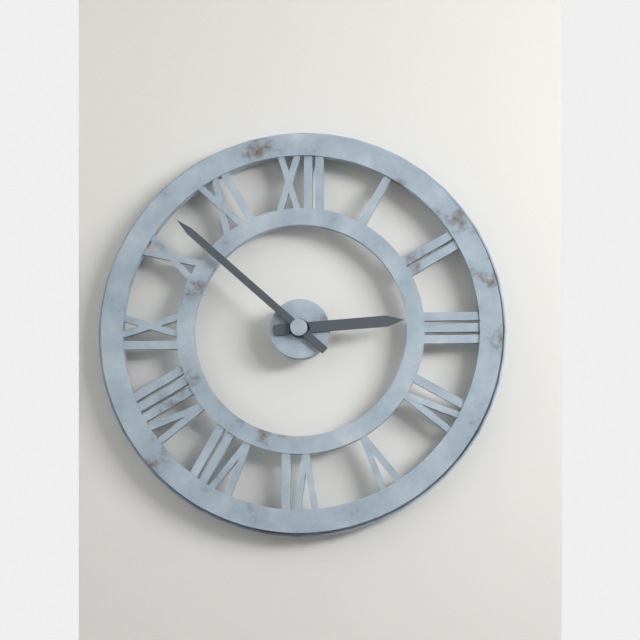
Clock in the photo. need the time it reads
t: 2:52
